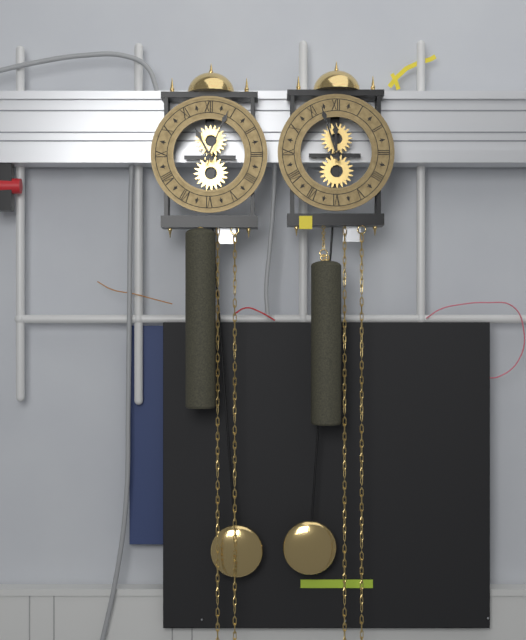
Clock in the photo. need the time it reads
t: 11:04
